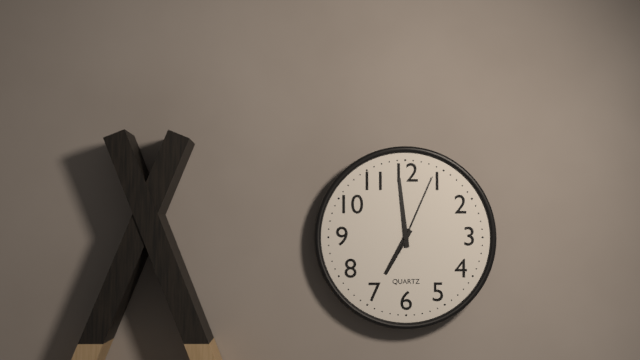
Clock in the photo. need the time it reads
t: 6:59:04
